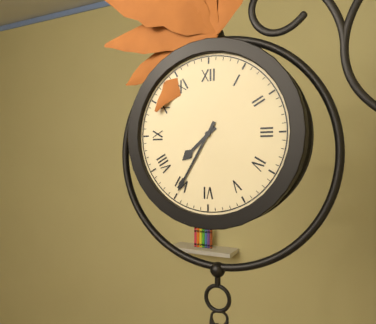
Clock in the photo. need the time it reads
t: 7:35
